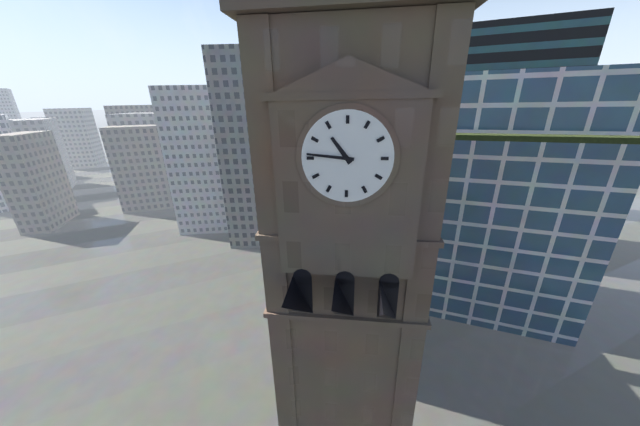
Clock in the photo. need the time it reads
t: 10:46
